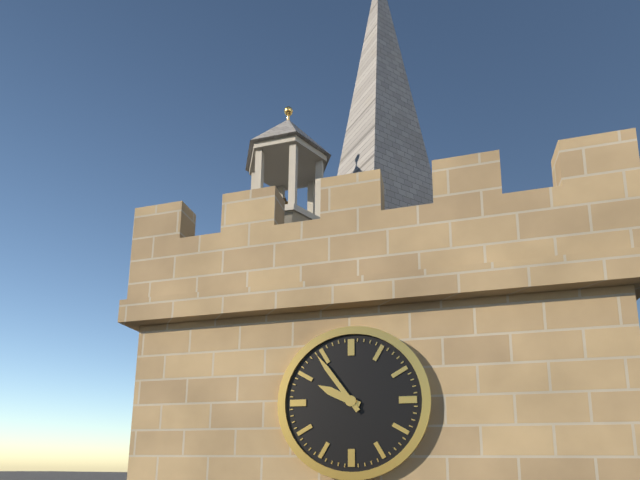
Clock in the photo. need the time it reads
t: 9:54
